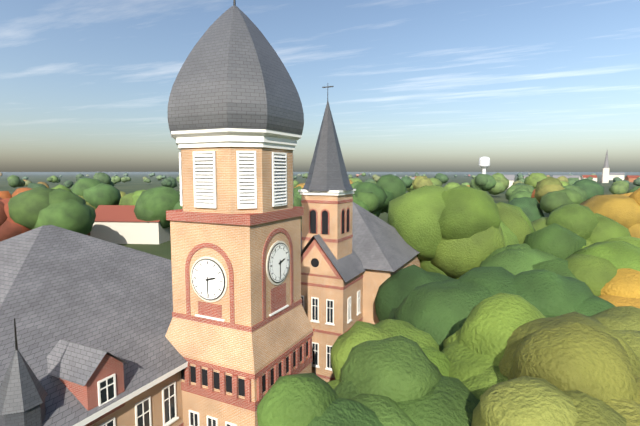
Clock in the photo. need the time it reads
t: 2:30
